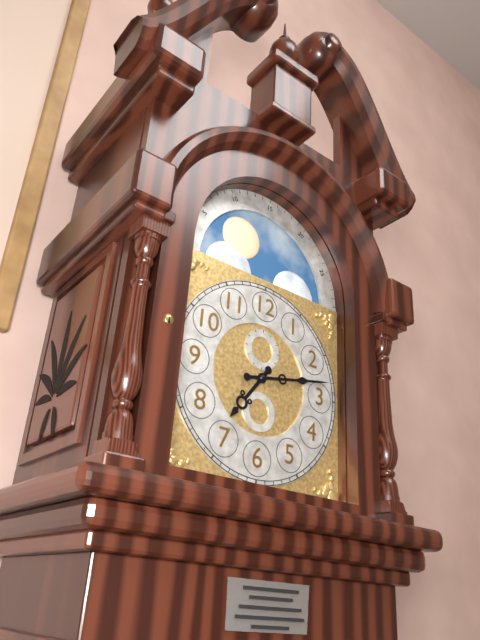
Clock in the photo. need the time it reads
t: 7:13
